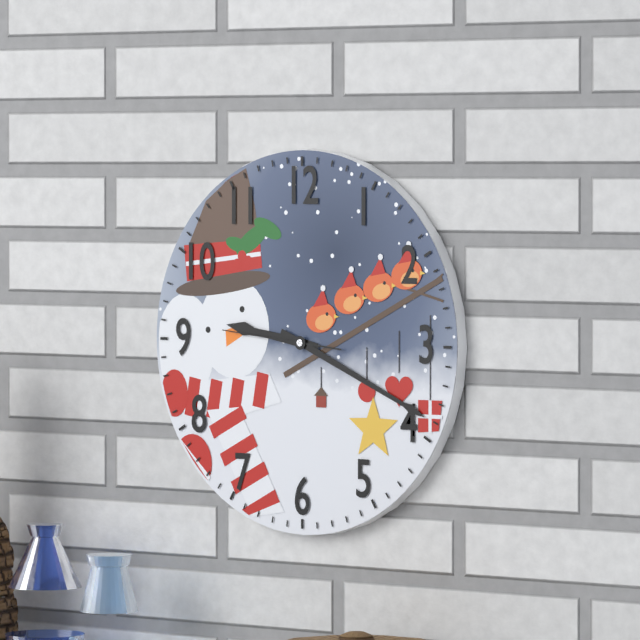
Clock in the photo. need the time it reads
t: 9:19:46
